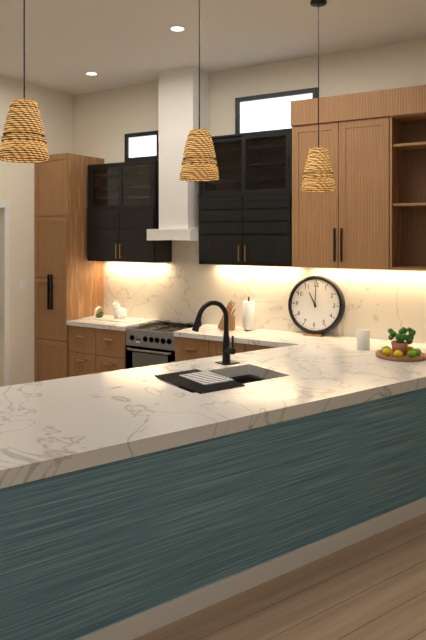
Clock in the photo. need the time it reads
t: 11:00
